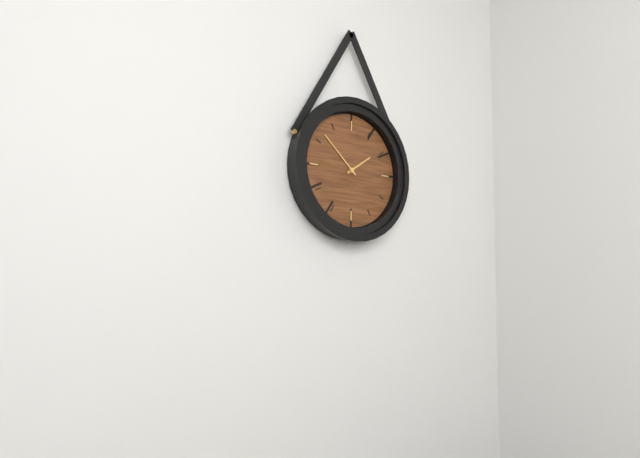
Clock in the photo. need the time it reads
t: 1:52
